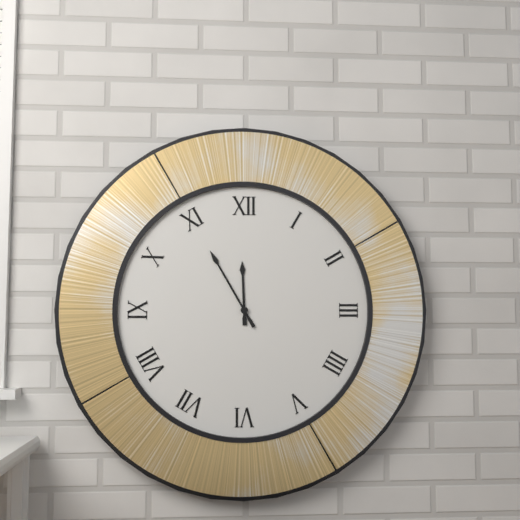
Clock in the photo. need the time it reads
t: 11:55
